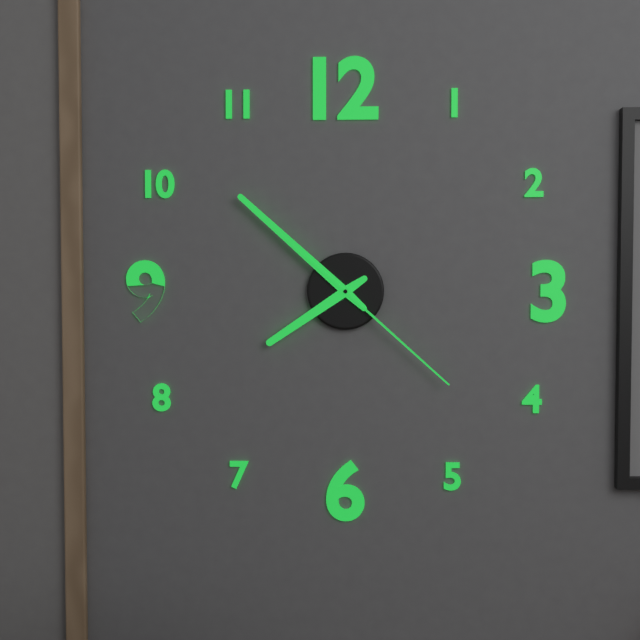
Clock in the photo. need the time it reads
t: 7:52:22
